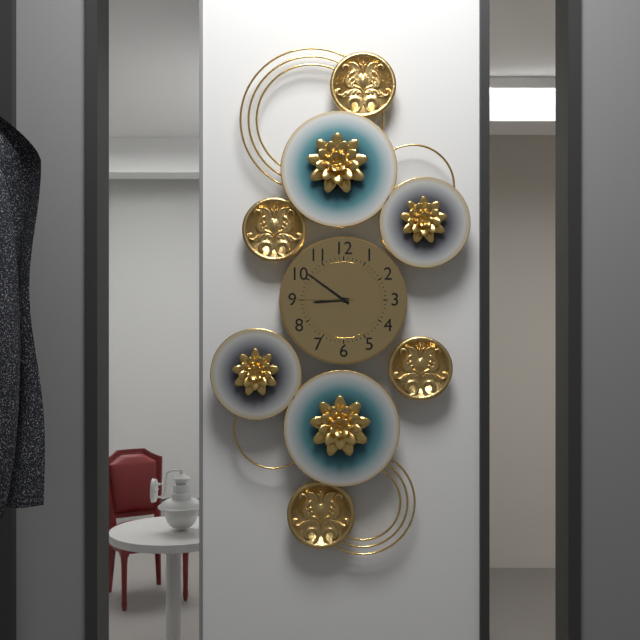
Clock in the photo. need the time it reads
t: 8:51:45
